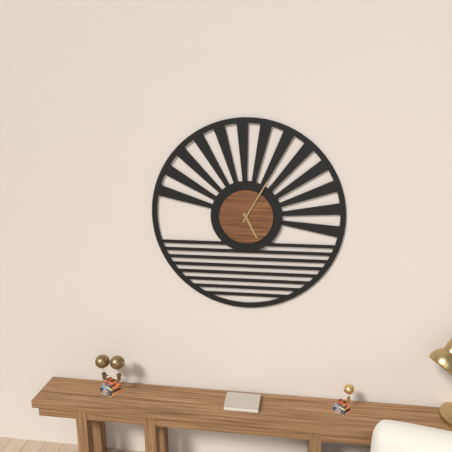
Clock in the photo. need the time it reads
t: 5:05
